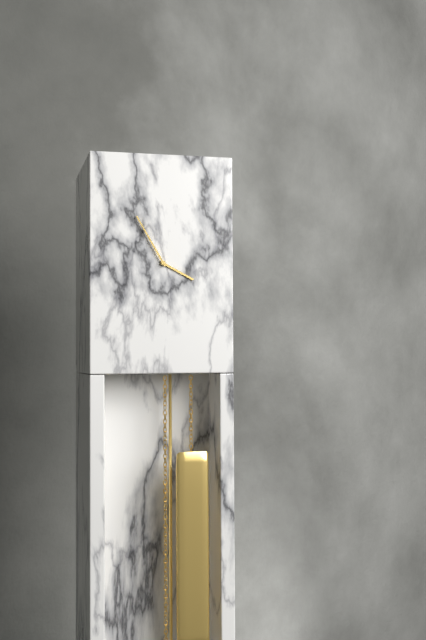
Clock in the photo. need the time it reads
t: 3:55
